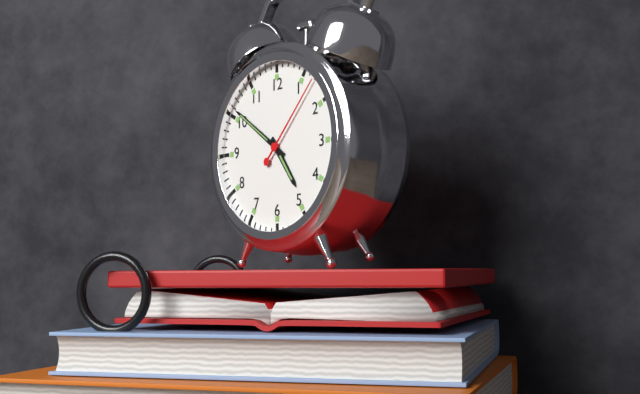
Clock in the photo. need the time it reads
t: 4:51:07
